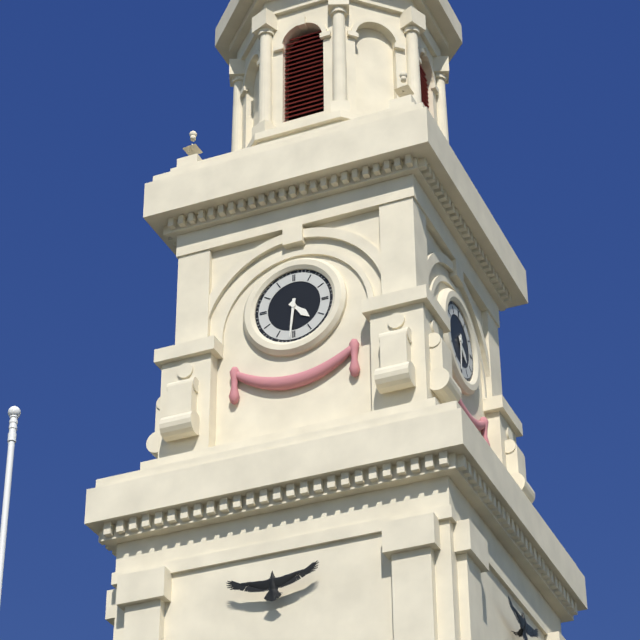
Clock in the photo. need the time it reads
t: 4:31
